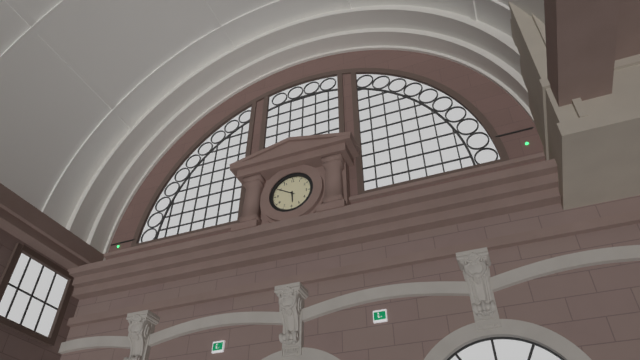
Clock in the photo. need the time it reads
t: 5:50
